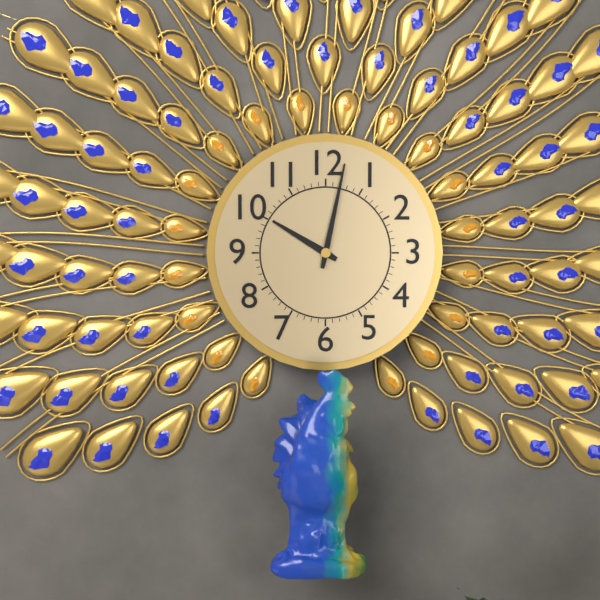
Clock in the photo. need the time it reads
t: 10:02
